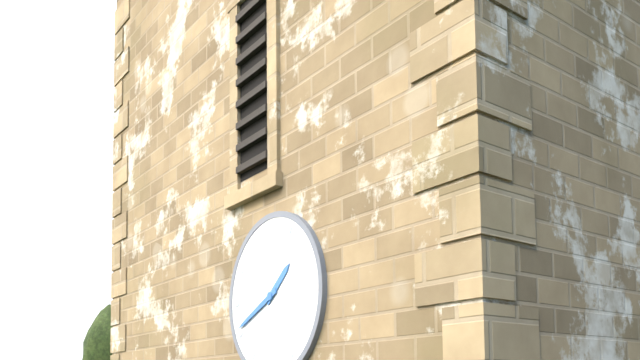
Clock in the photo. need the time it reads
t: 1:41
